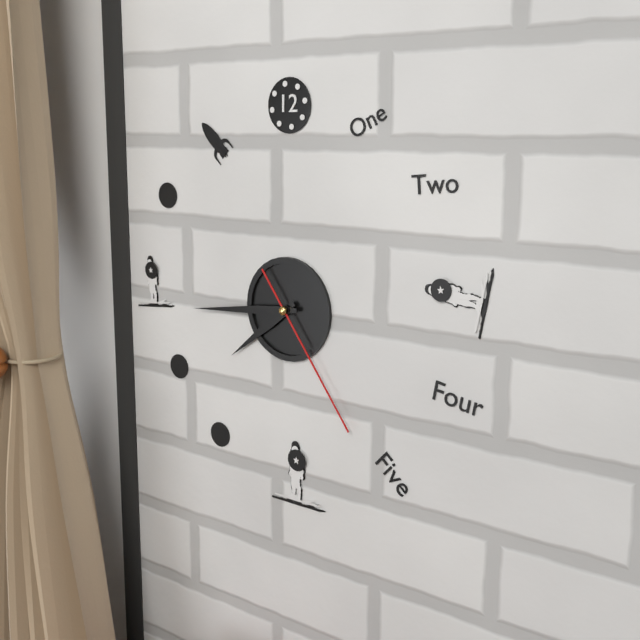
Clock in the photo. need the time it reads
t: 7:44:24
